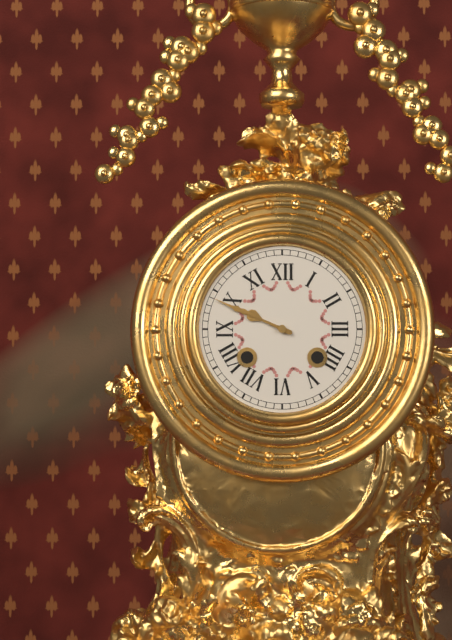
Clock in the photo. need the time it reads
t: 9:49
